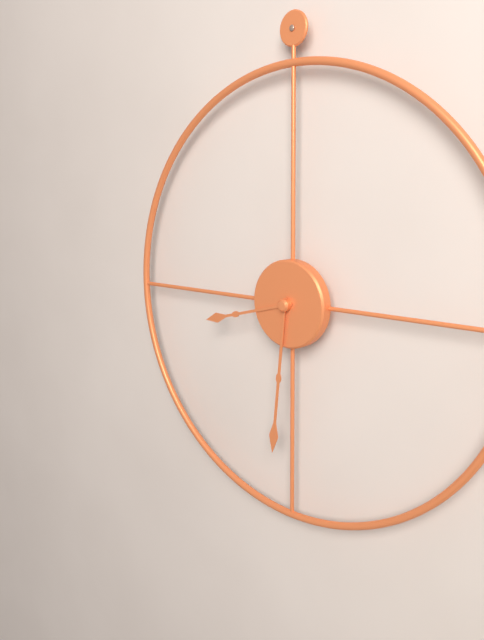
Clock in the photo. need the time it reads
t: 8:31
